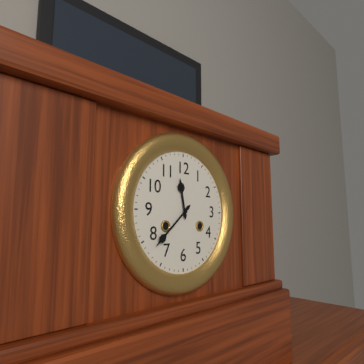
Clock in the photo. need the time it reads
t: 11:38
